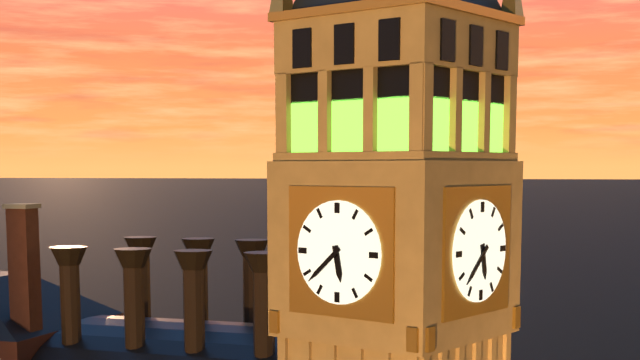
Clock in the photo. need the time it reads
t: 5:38
